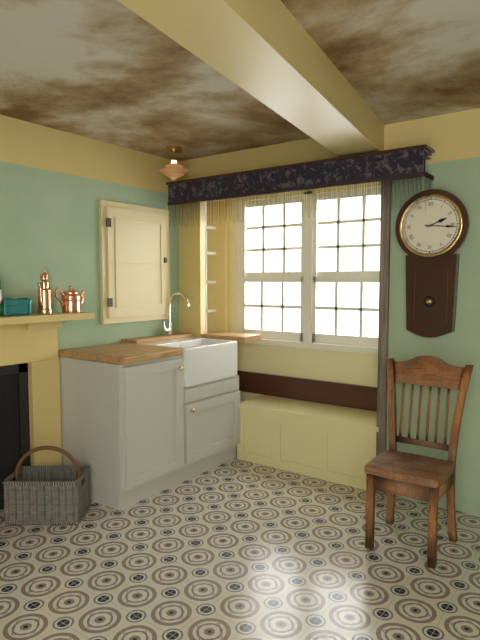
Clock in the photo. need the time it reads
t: 2:16
